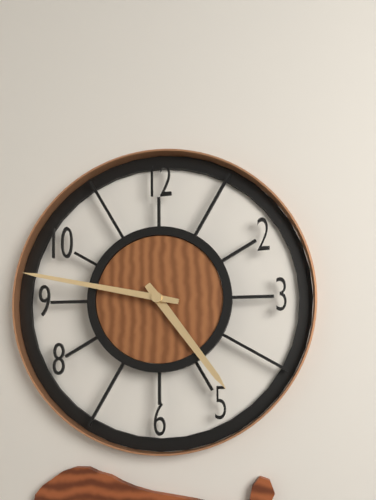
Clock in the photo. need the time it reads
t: 4:47
